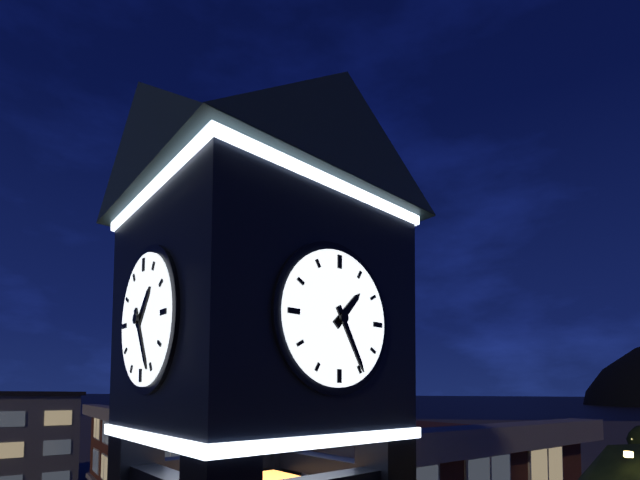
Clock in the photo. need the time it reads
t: 1:25
